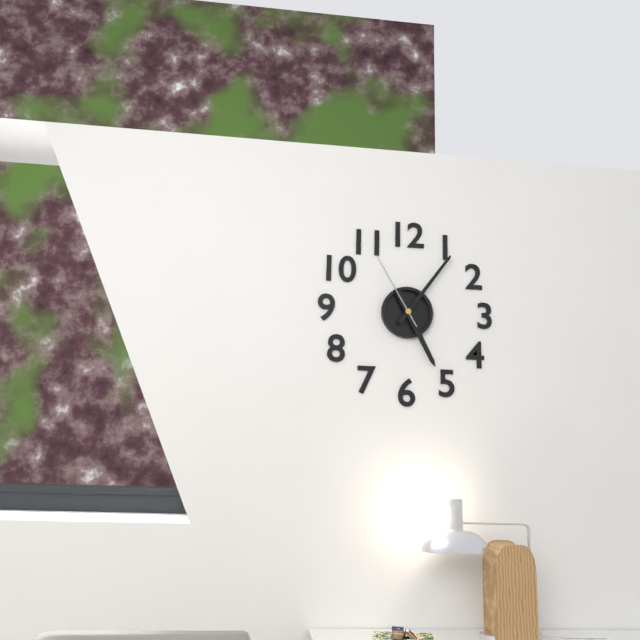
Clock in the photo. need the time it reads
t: 5:06:55
